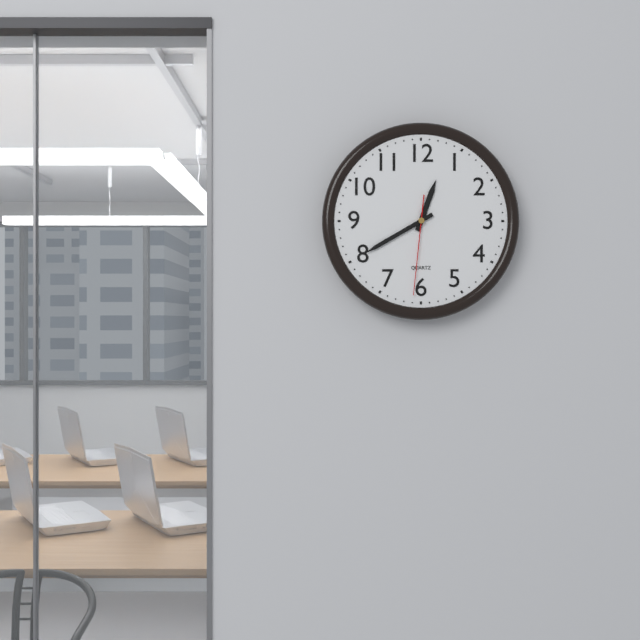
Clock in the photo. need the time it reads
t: 12:40:31
